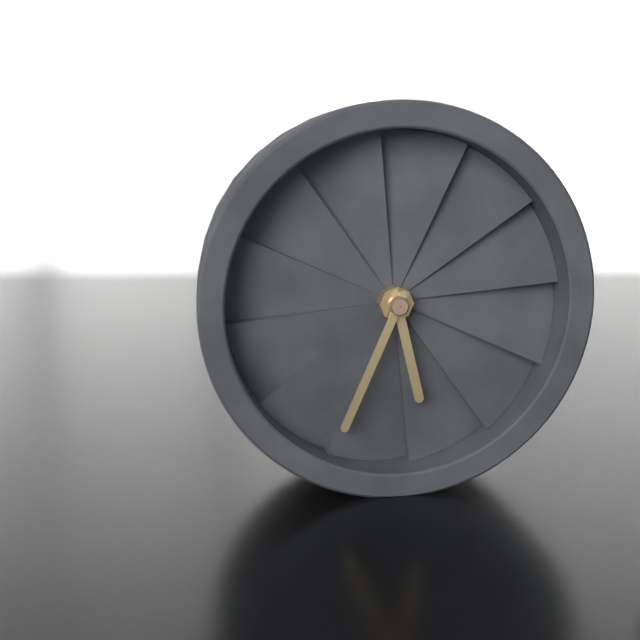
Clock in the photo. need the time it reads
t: 5:34
